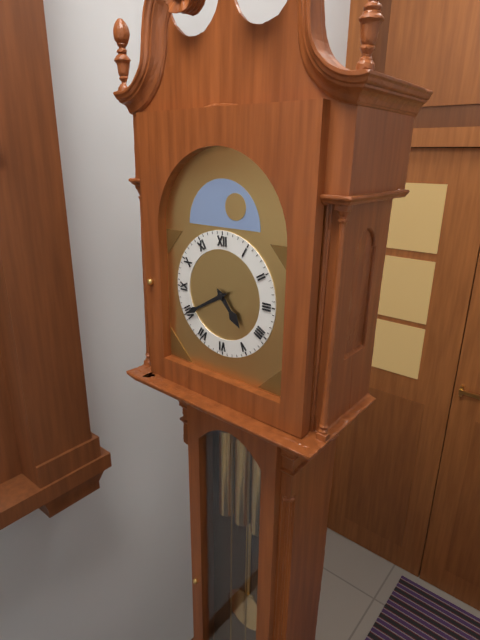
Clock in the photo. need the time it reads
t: 4:40
